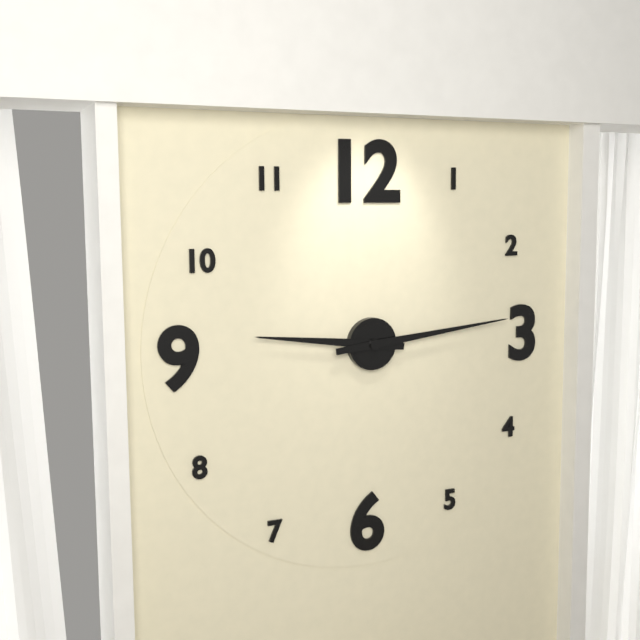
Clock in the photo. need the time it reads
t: 9:14
